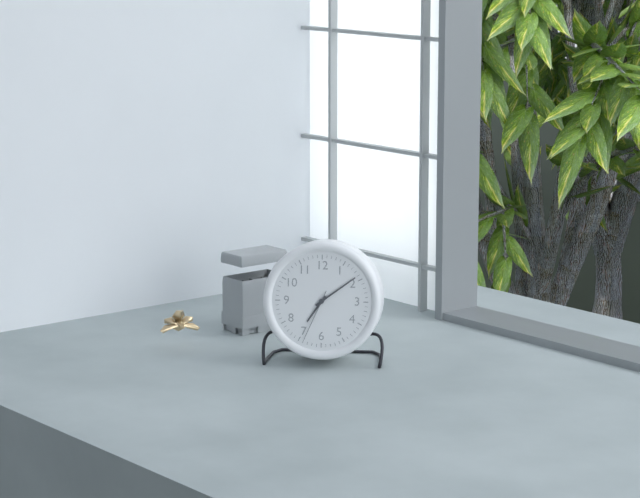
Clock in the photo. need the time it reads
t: 7:09:34
